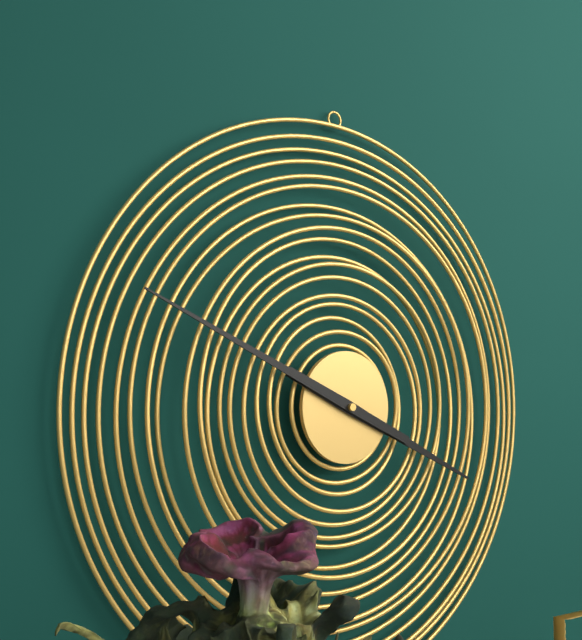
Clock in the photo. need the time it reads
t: 3:49
